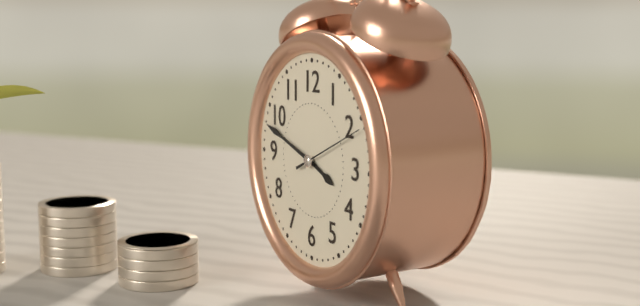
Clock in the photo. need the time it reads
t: 3:48:11
